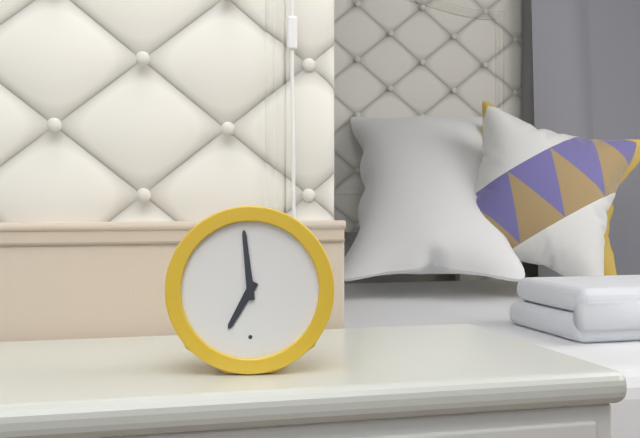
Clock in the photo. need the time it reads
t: 6:59
